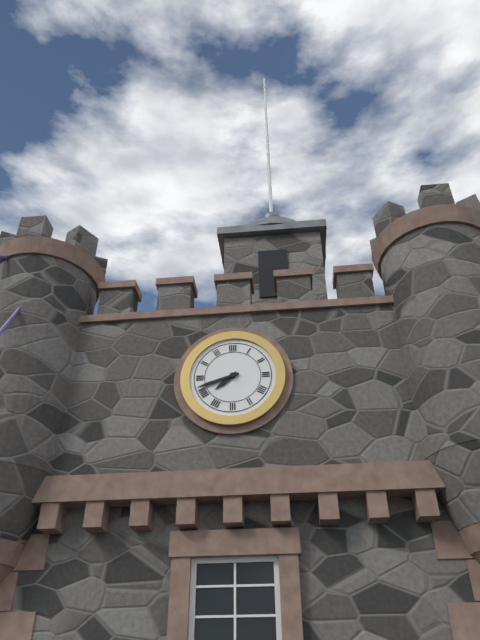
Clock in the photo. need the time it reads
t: 7:42
